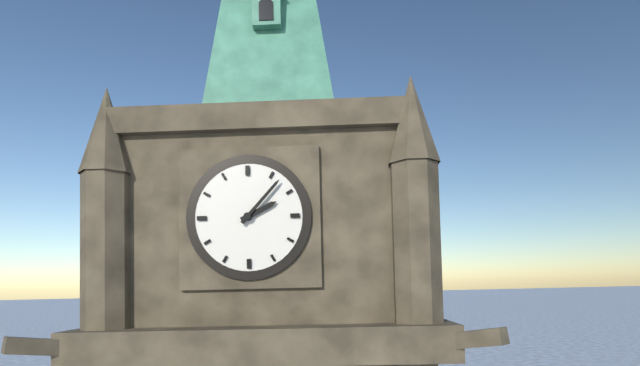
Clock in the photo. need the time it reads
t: 2:07
